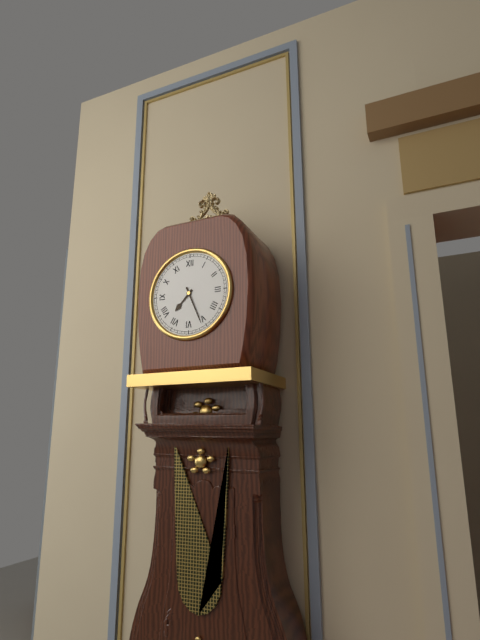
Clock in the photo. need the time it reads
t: 7:26
